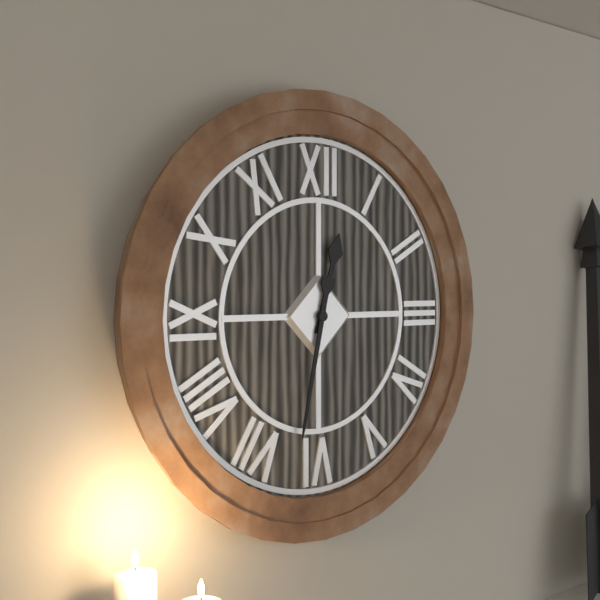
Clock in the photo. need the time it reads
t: 12:32
